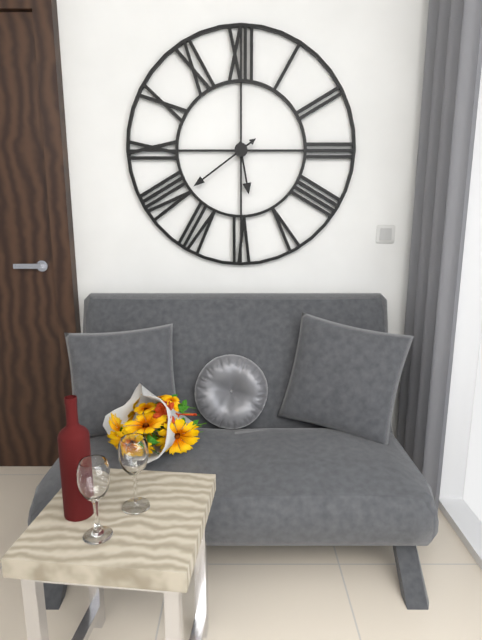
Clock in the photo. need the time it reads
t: 5:39
